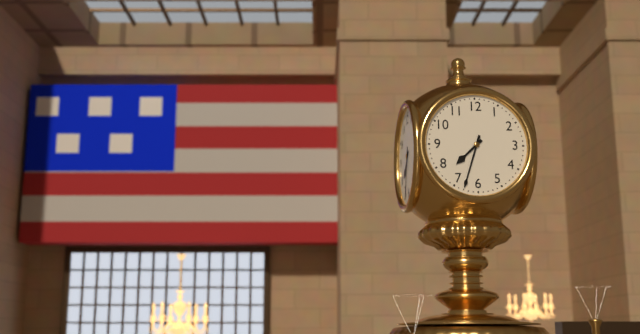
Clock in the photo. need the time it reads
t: 7:33
